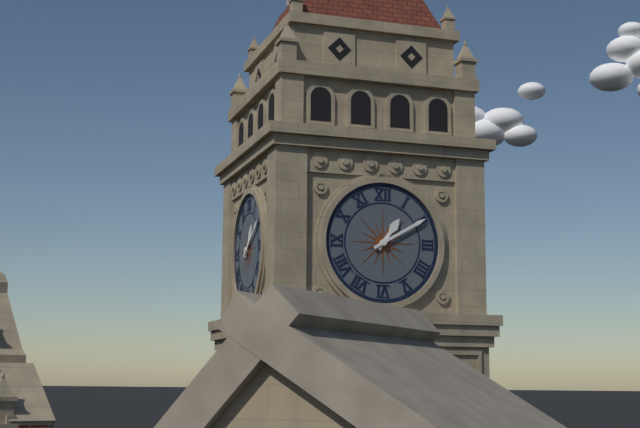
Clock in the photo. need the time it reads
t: 1:10
